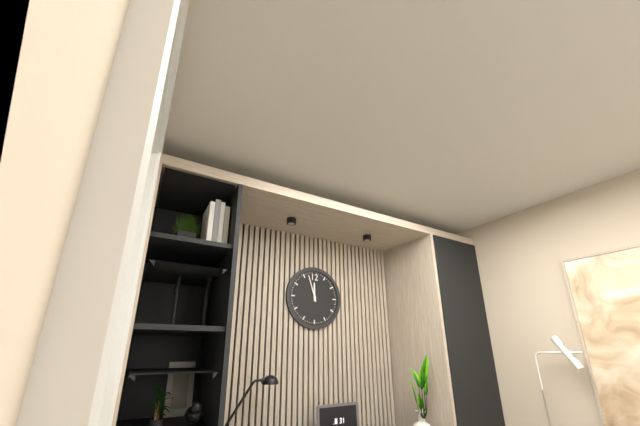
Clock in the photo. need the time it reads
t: 11:57
